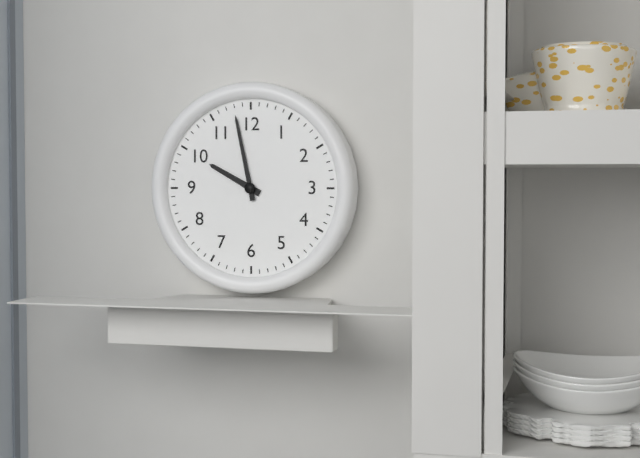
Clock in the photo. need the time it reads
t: 9:58
